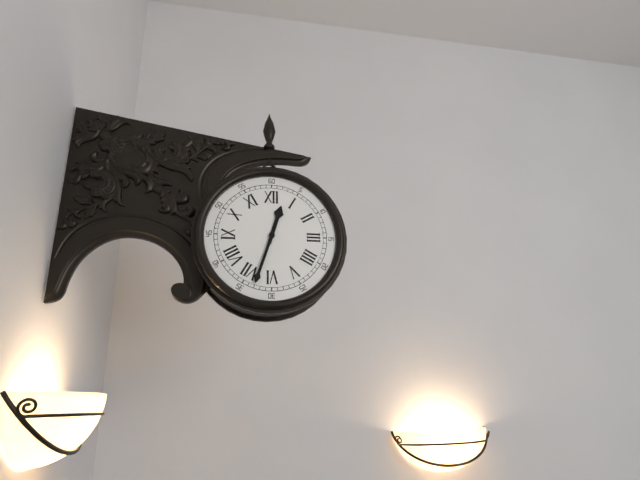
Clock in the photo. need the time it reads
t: 12:33
